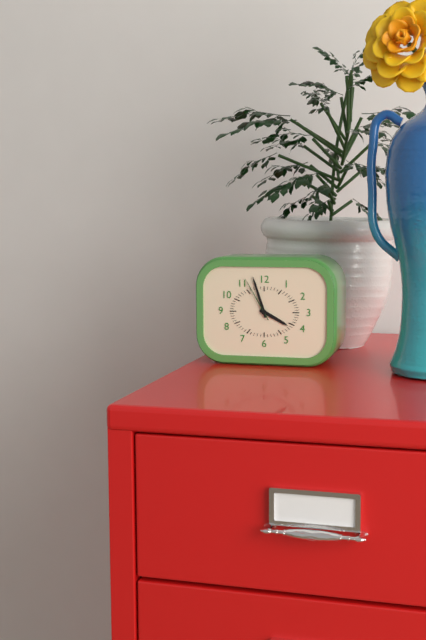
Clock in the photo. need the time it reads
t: 3:57:55
